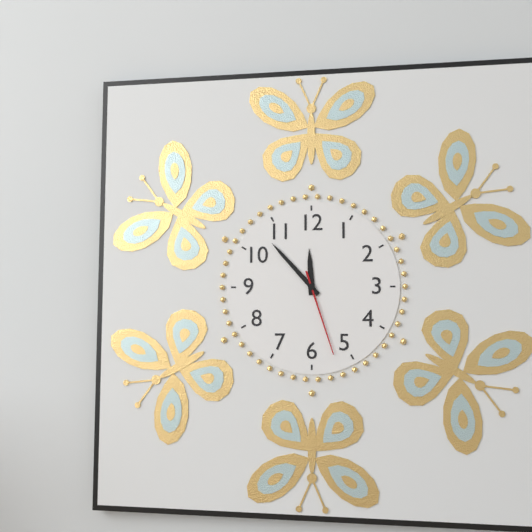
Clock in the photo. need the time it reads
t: 11:53:27
